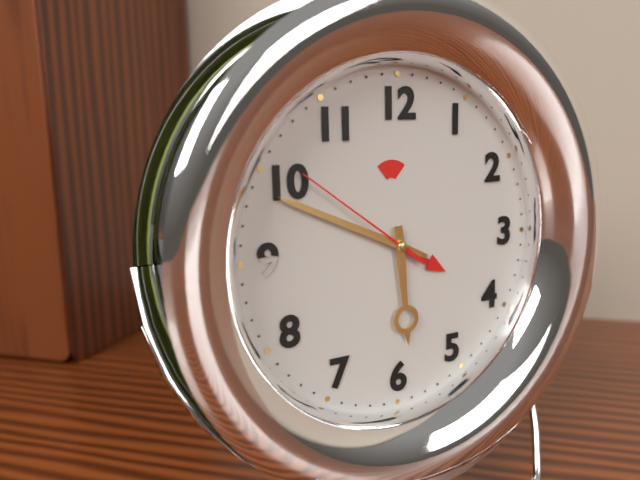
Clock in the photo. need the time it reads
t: 5:49:51
